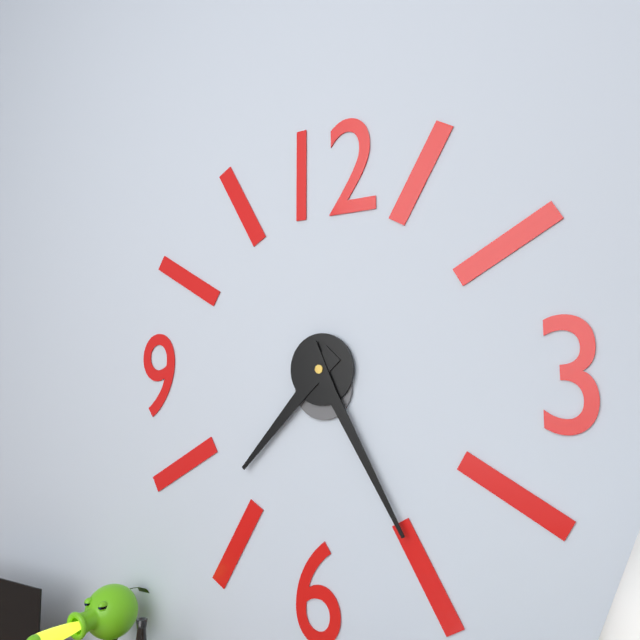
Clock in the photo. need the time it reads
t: 7:25
